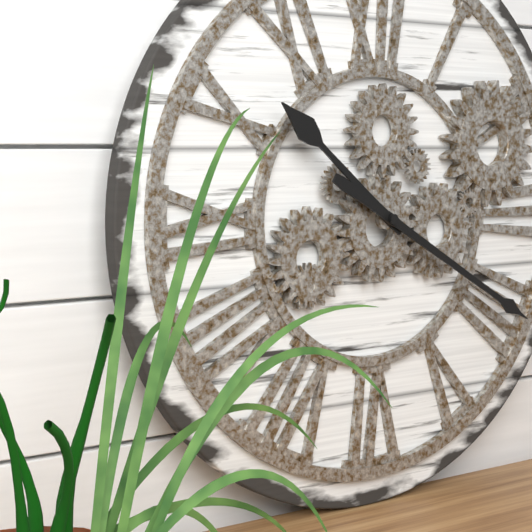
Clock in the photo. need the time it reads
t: 10:20
